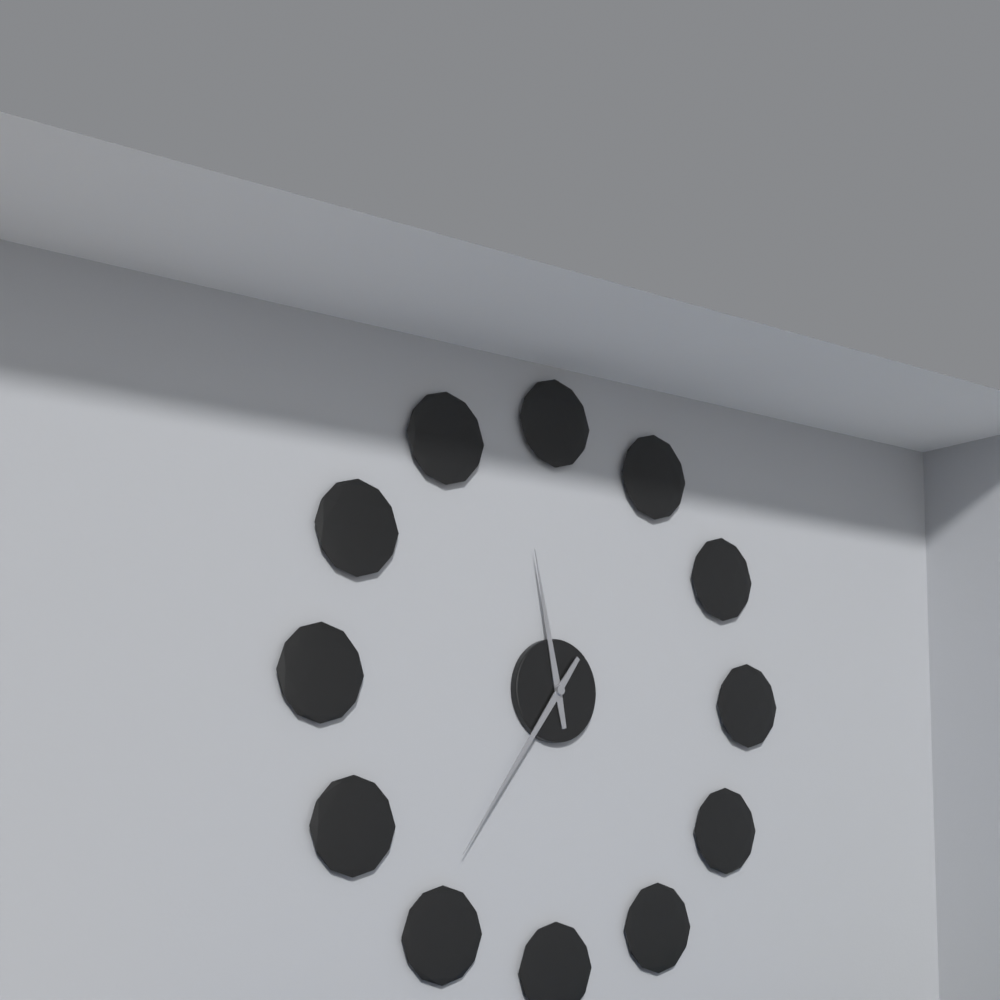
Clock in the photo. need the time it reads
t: 11:36
